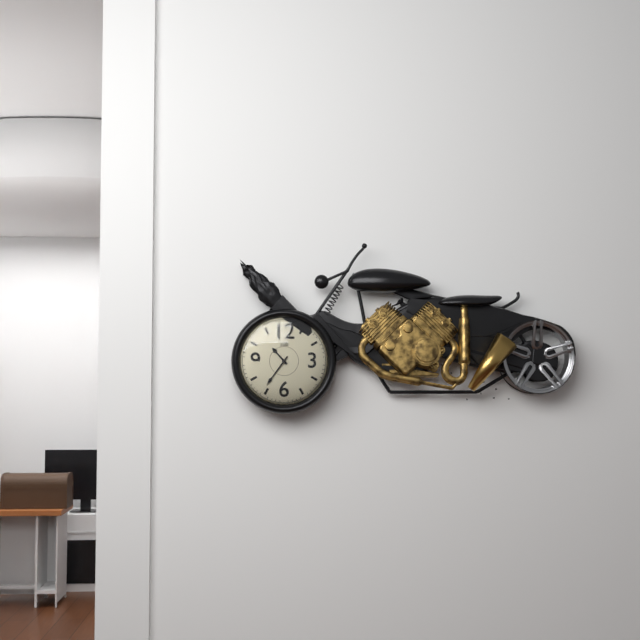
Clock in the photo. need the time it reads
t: 10:36
